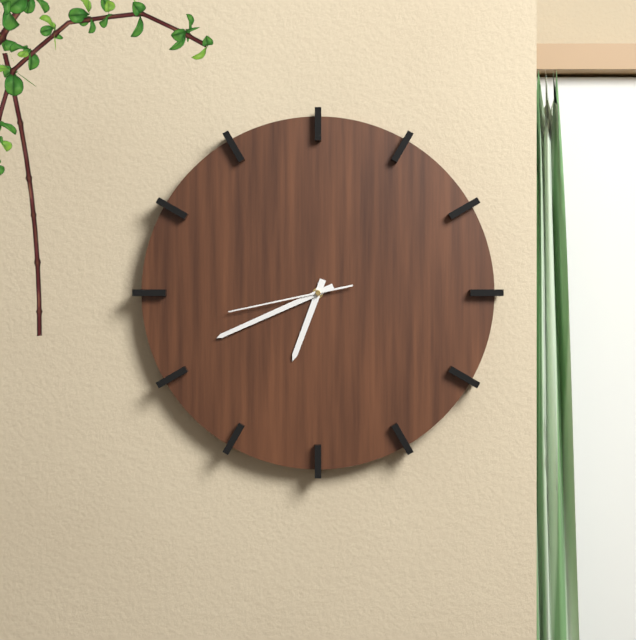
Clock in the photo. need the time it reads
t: 6:41:43
